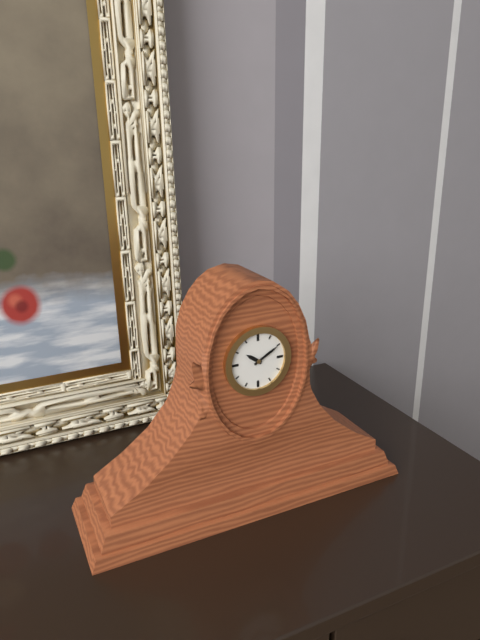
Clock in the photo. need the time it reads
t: 10:10
